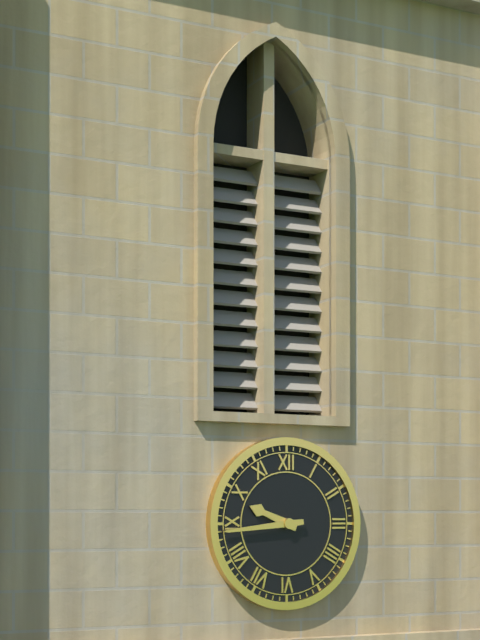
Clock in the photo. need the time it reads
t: 9:44
